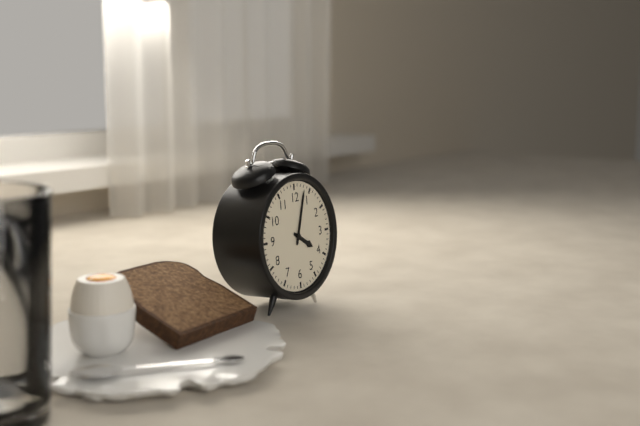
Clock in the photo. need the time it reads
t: 4:03
